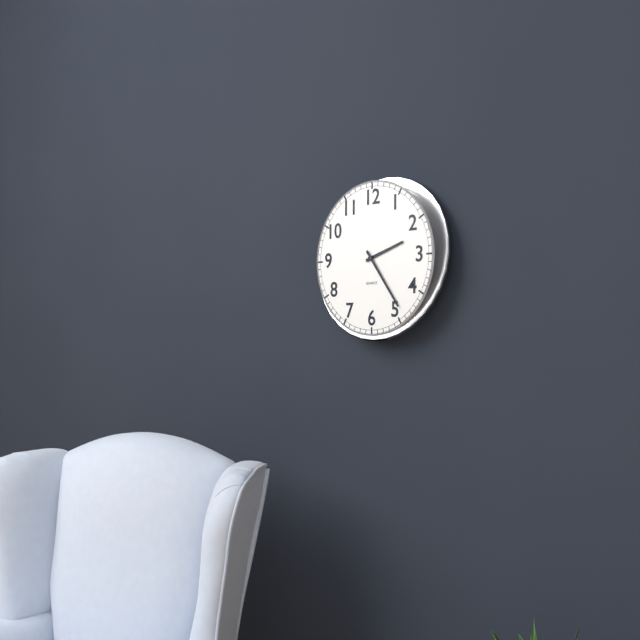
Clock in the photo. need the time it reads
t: 2:24
